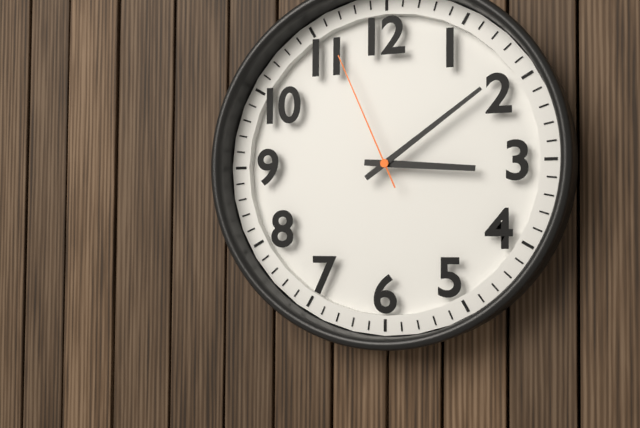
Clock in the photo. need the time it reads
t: 3:09:56
